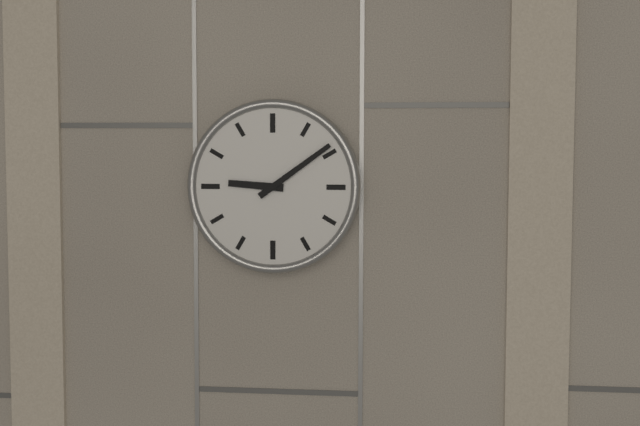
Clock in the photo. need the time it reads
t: 9:09
